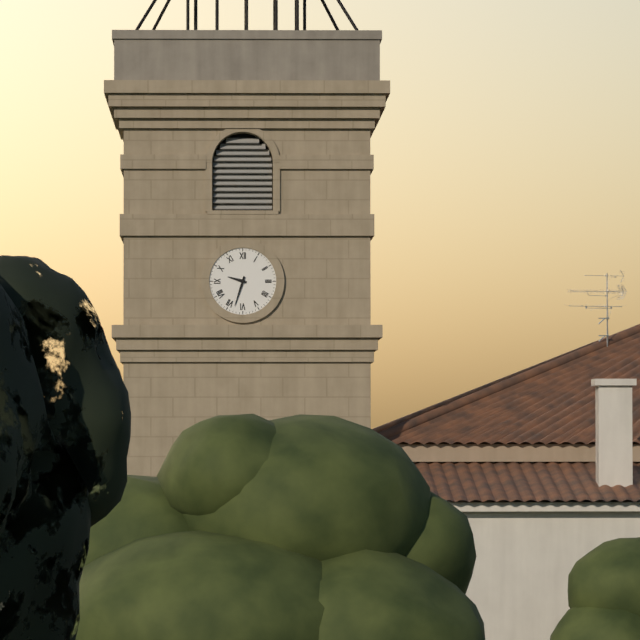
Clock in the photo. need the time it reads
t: 9:33
